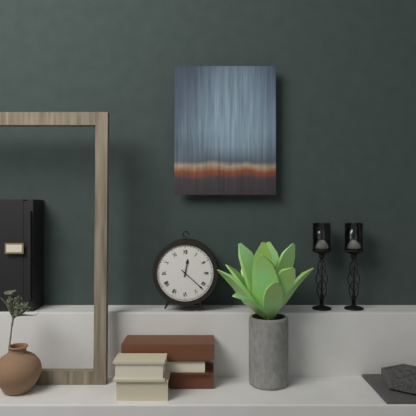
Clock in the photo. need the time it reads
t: 12:22
